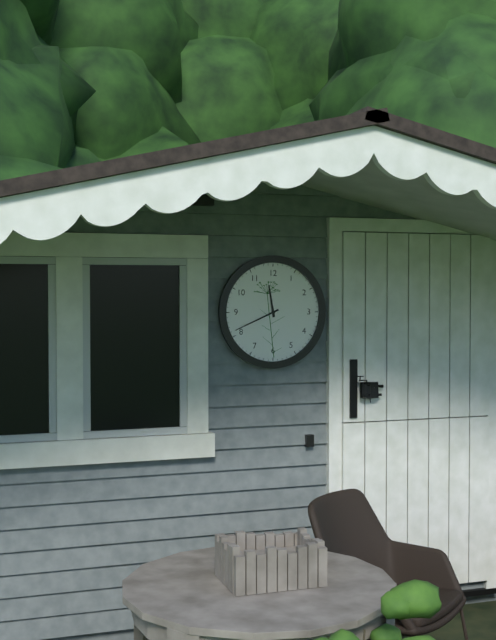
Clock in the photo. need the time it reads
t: 11:41
